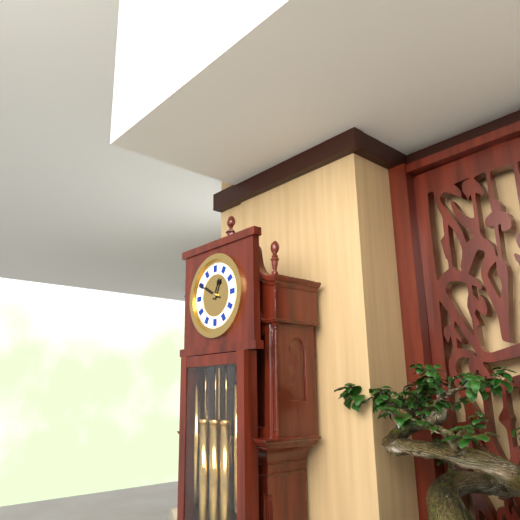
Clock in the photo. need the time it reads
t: 12:50
